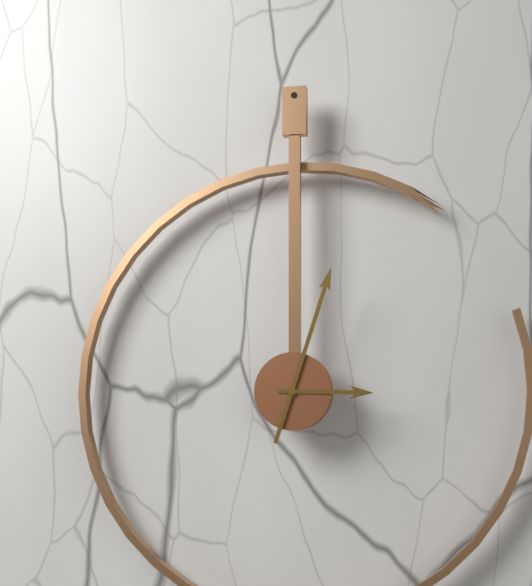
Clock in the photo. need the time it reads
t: 3:03
